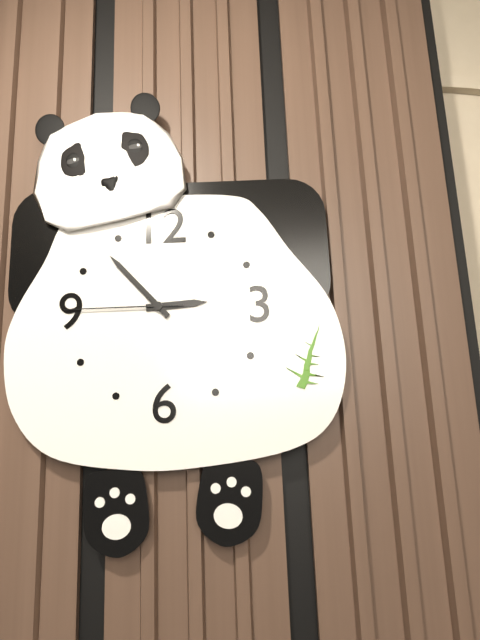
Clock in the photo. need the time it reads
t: 2:53:45
